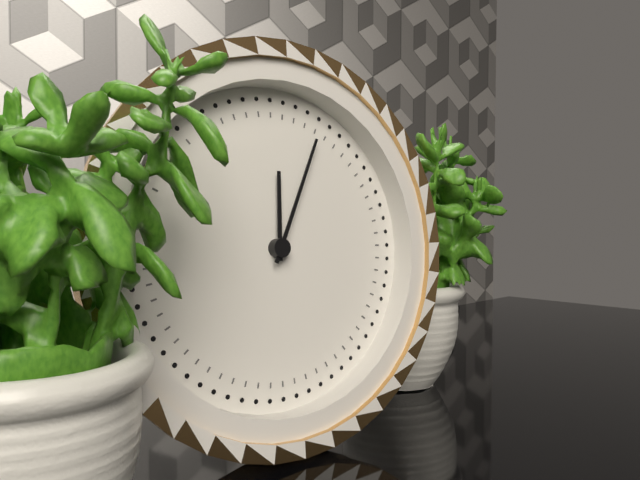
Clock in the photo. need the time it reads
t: 12:04
